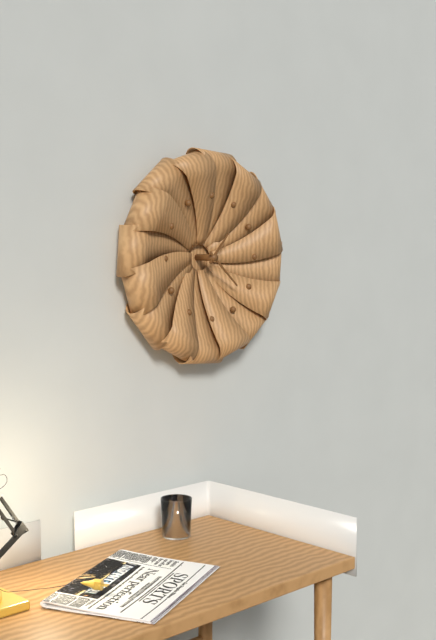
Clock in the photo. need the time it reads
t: 1:22
